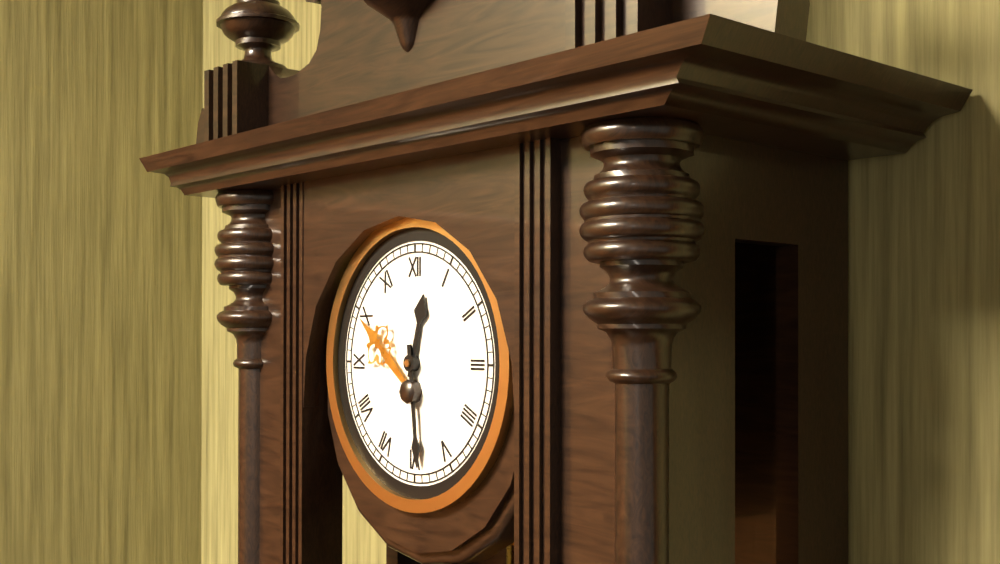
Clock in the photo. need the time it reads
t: 12:29
